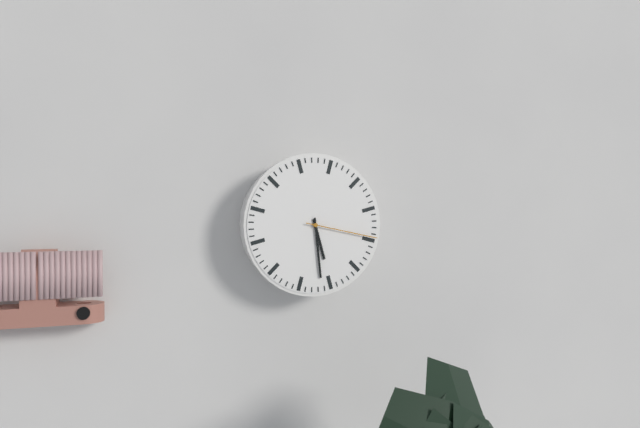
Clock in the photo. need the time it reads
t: 5:29:17
